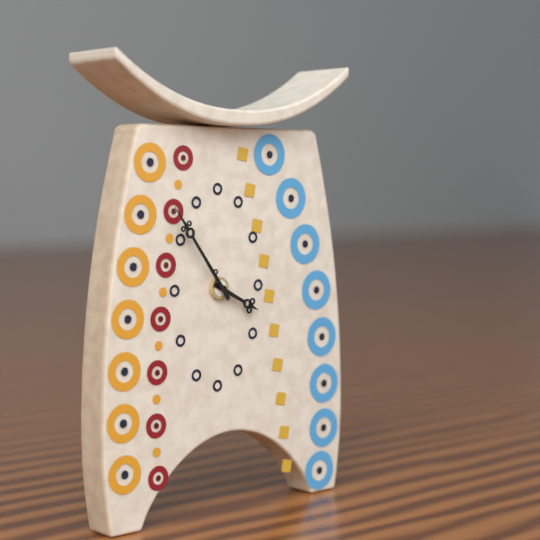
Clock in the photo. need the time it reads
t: 3:54
